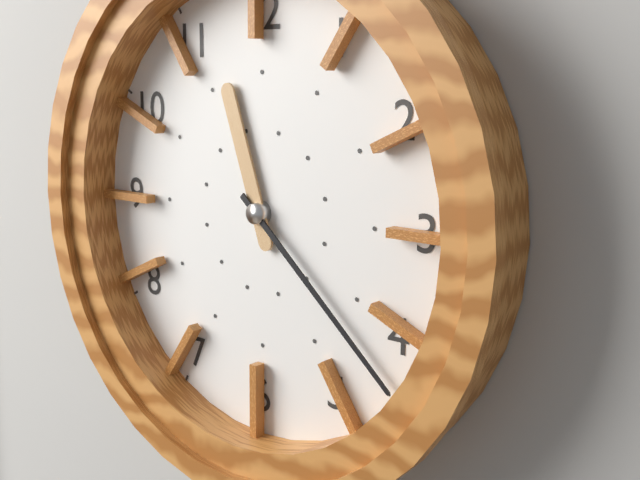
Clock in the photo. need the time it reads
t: 11:22
